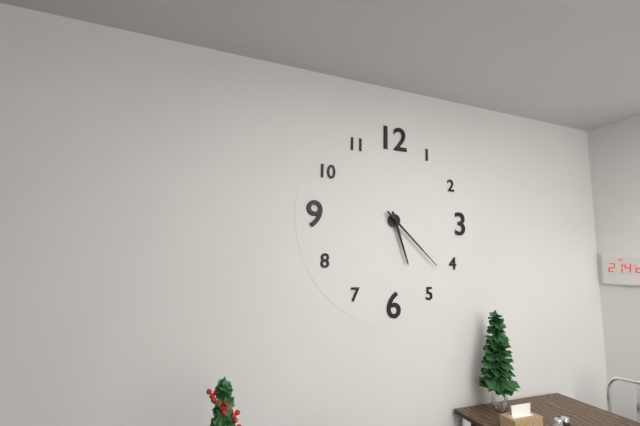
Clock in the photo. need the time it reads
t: 5:22
